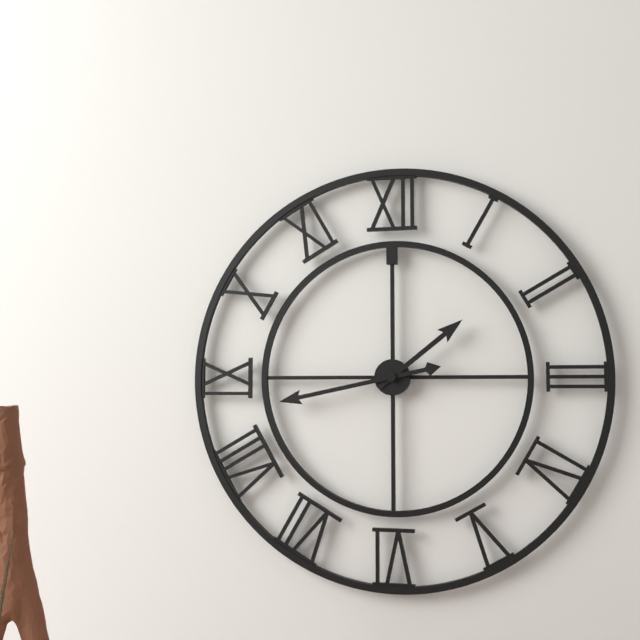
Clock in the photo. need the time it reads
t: 1:43
